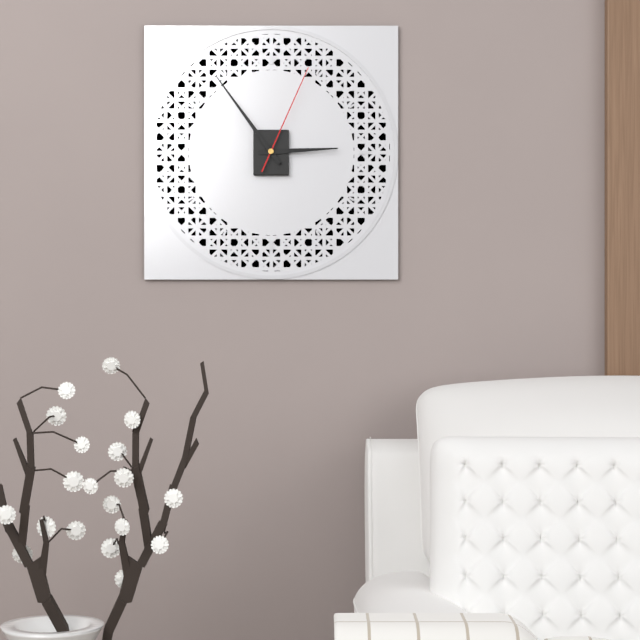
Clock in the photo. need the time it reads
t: 2:54:04
